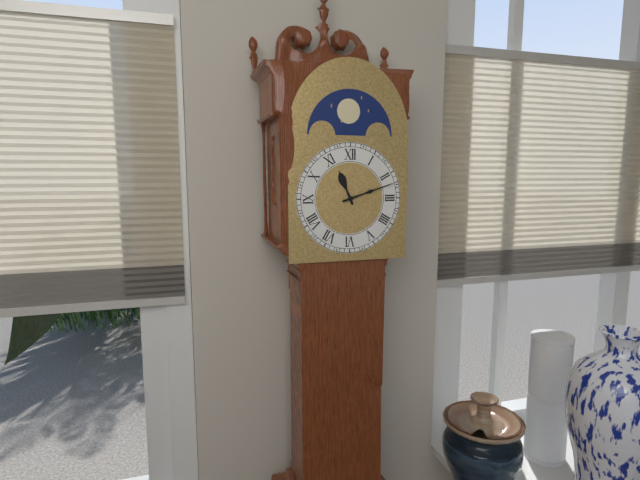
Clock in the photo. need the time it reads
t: 11:12
